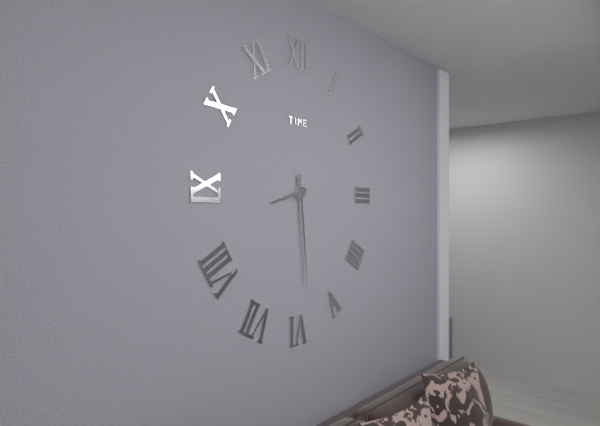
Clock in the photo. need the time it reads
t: 8:29
